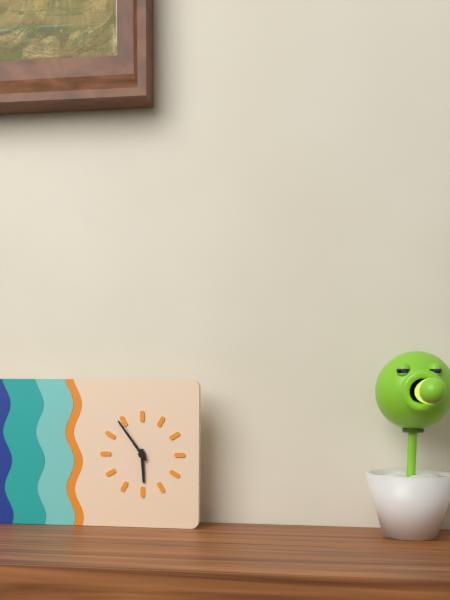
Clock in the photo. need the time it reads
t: 5:54
